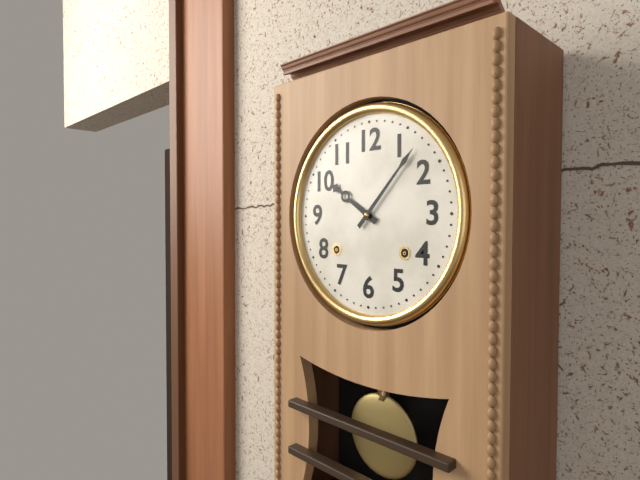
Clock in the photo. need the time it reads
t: 10:07
